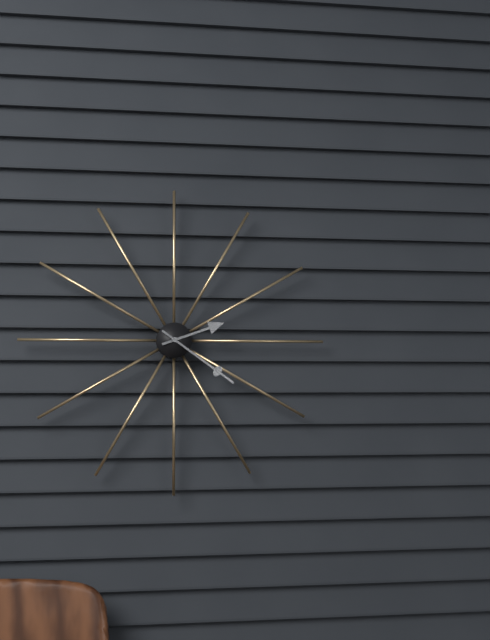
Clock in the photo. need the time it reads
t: 2:21
